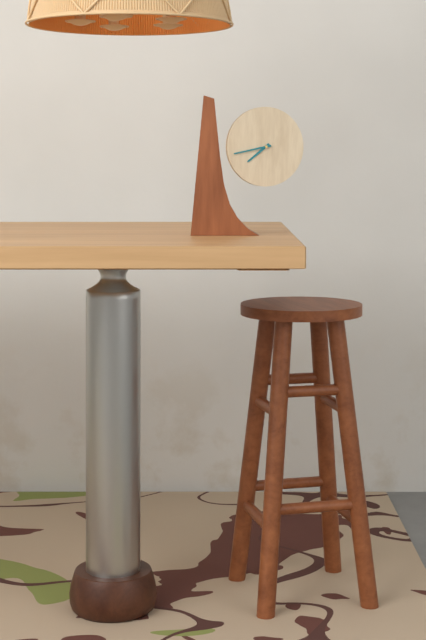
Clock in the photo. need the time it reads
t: 7:43
